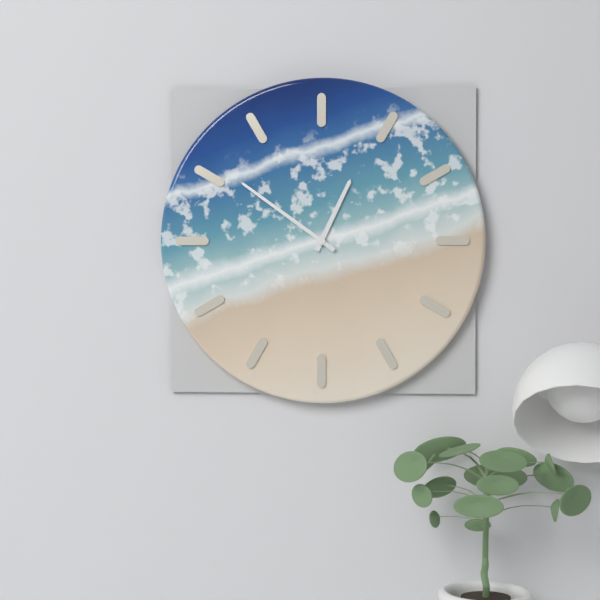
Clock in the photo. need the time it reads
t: 12:51
